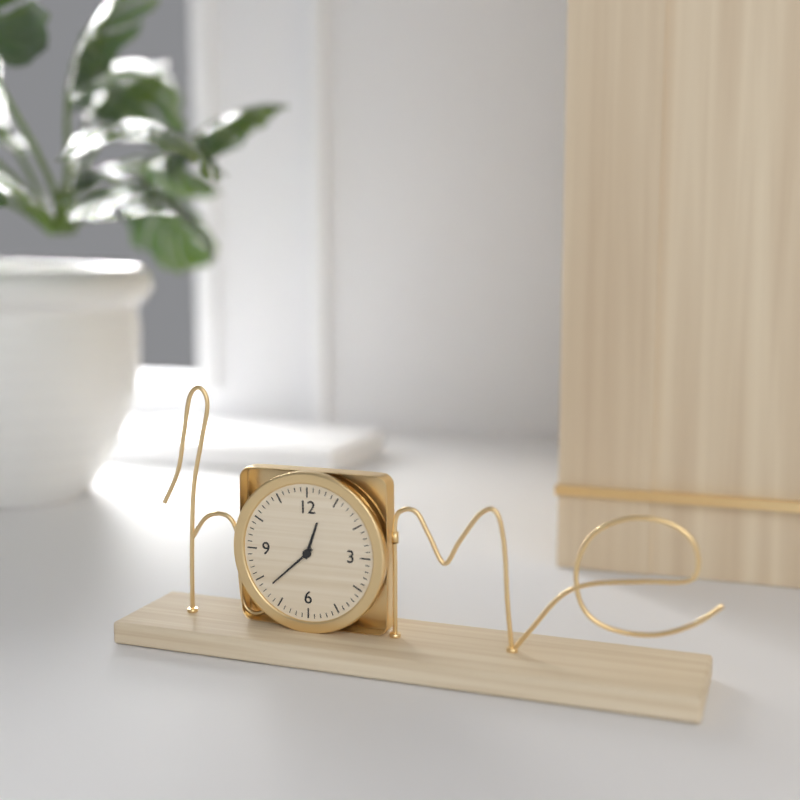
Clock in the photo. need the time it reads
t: 12:38
